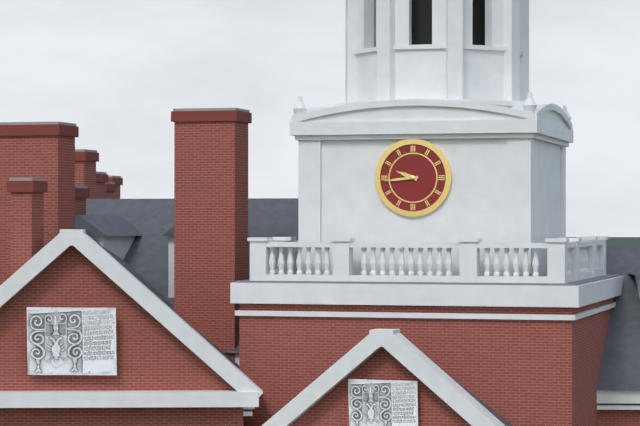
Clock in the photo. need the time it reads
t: 9:44
